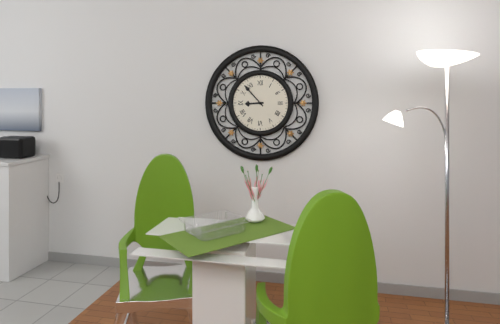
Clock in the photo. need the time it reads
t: 8:53
